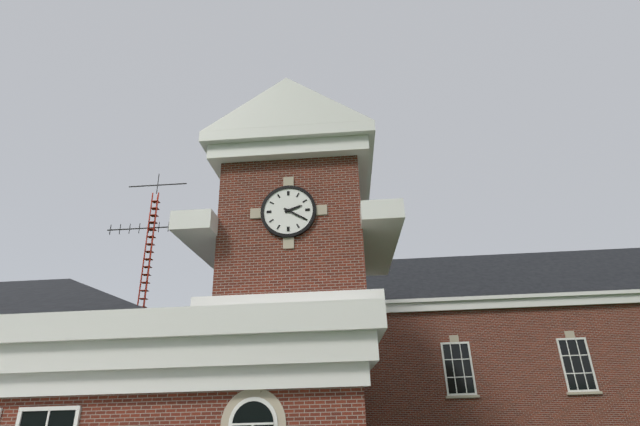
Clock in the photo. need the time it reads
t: 2:20
